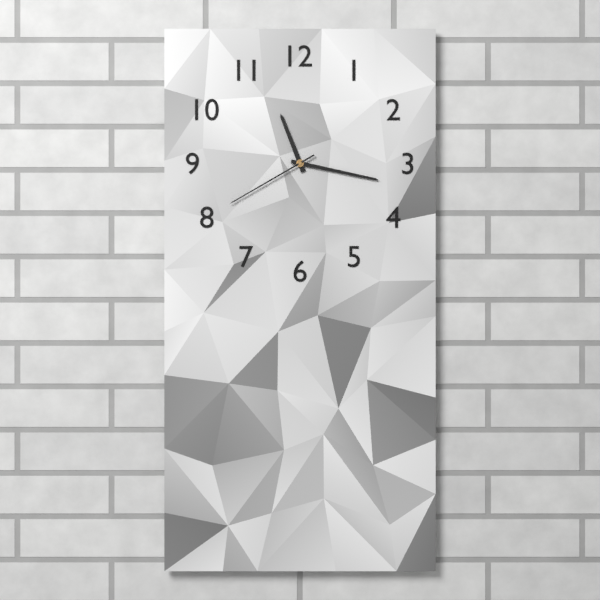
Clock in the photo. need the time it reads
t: 11:17:40
